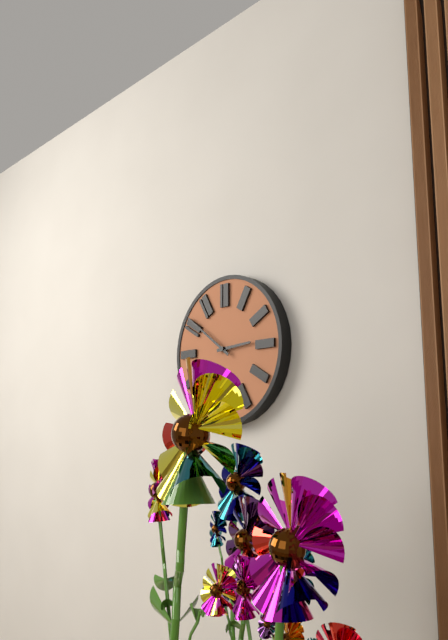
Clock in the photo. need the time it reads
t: 2:51
